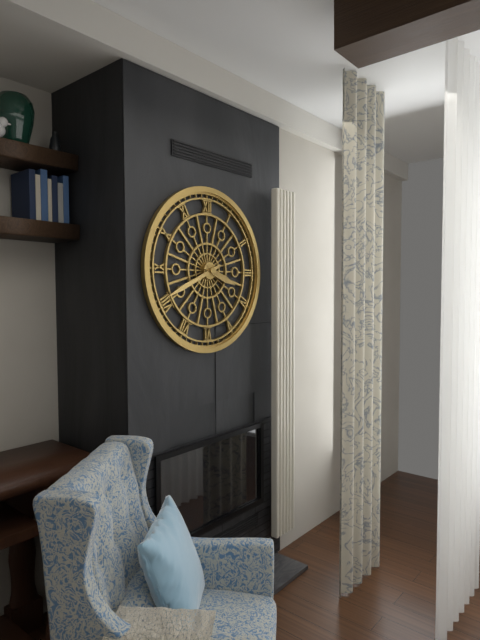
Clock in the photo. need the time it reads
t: 3:41
